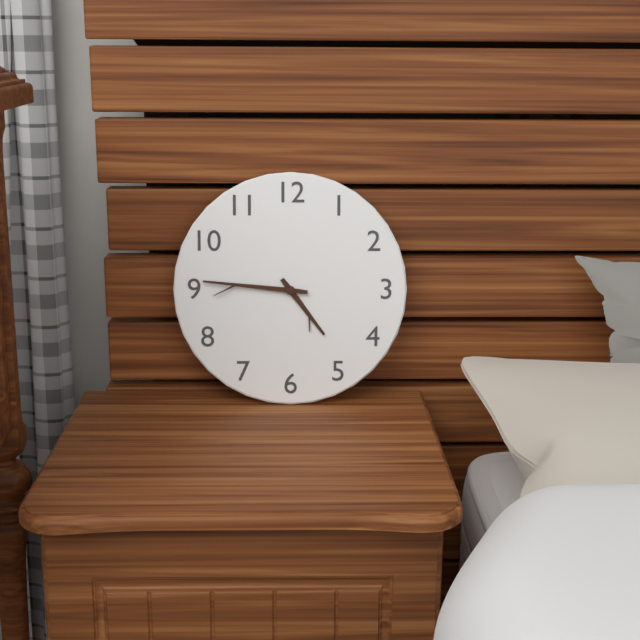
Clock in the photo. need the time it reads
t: 4:46
